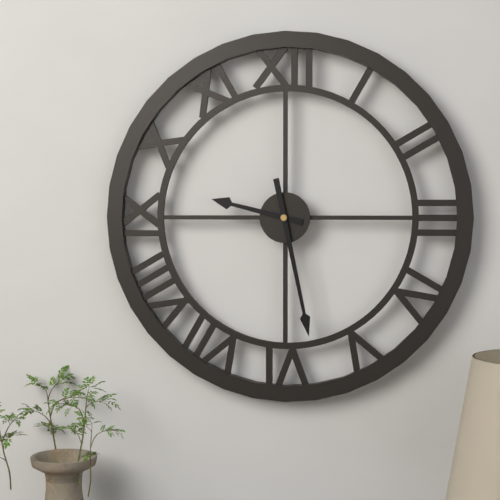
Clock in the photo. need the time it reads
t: 9:28
